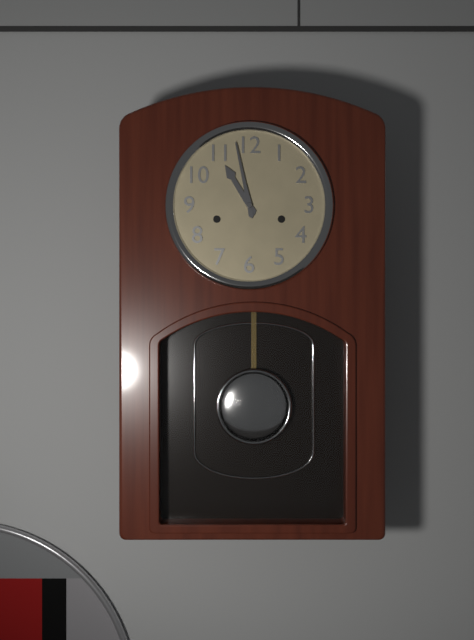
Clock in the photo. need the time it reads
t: 10:58
